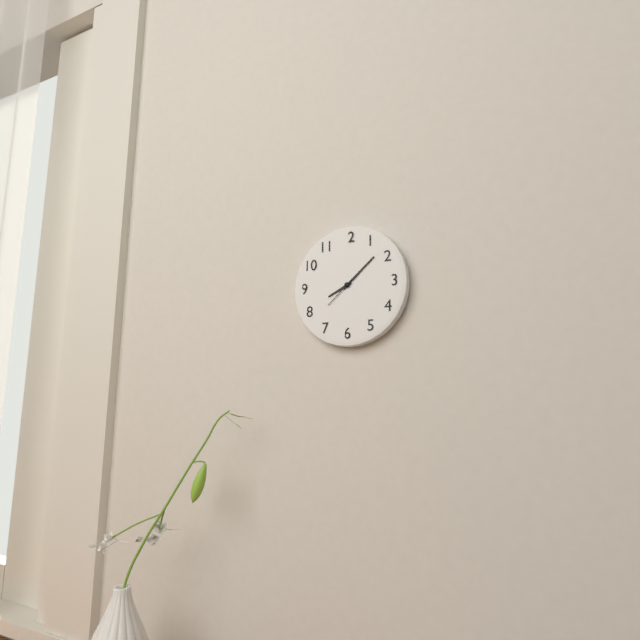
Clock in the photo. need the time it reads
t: 8:08
